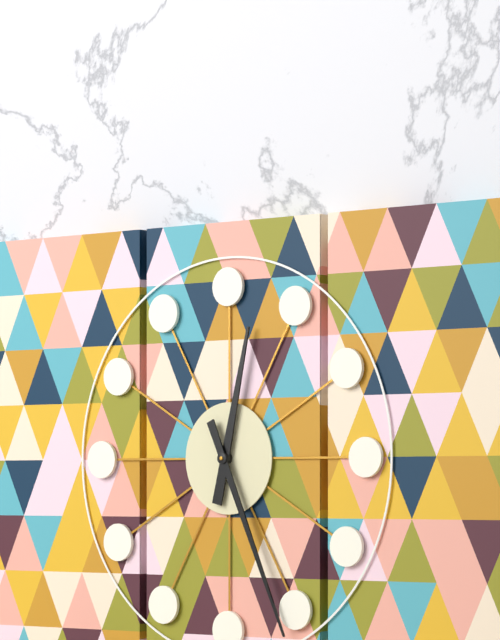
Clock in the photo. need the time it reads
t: 12:26
